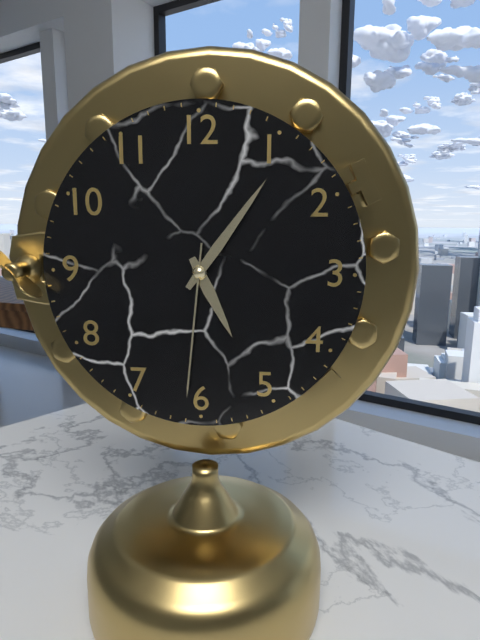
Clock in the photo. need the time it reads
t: 5:06:31
